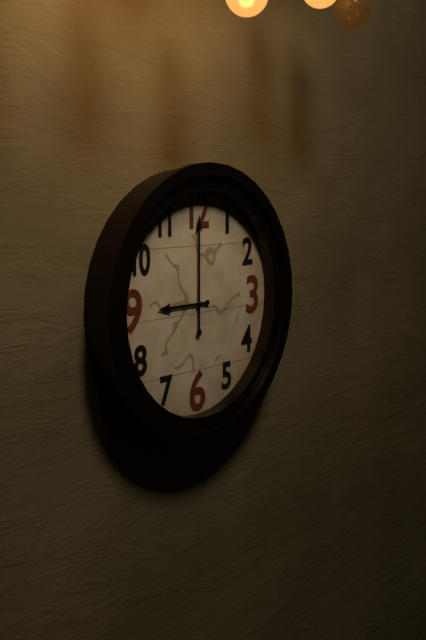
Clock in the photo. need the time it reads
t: 9:00
